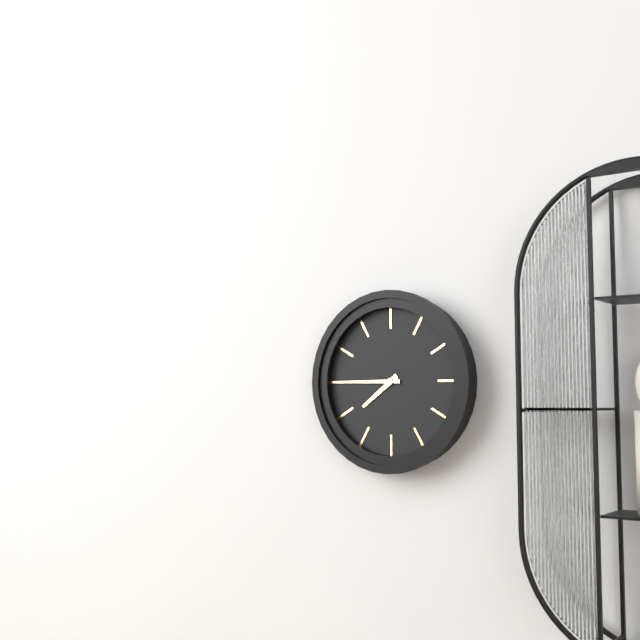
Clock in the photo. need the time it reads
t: 7:45
